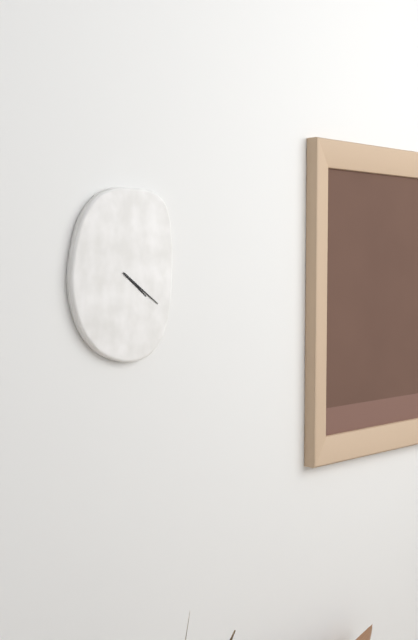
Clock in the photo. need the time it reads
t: 4:21
